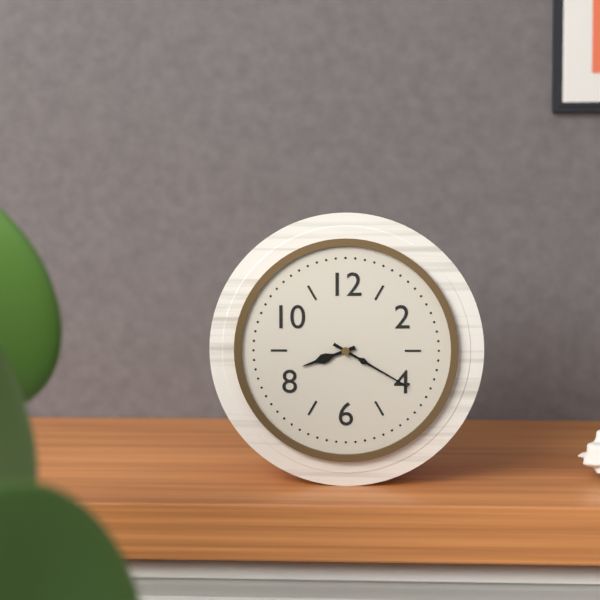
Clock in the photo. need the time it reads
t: 8:20
